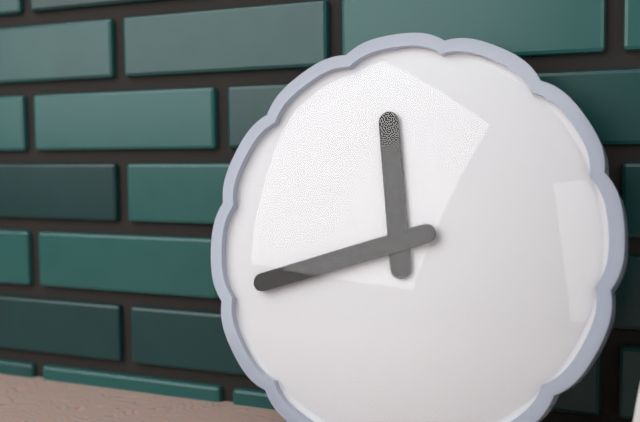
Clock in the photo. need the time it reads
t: 11:42
